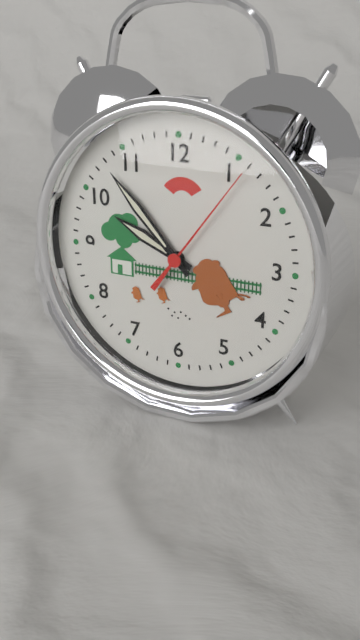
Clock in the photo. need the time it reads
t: 9:53:06
